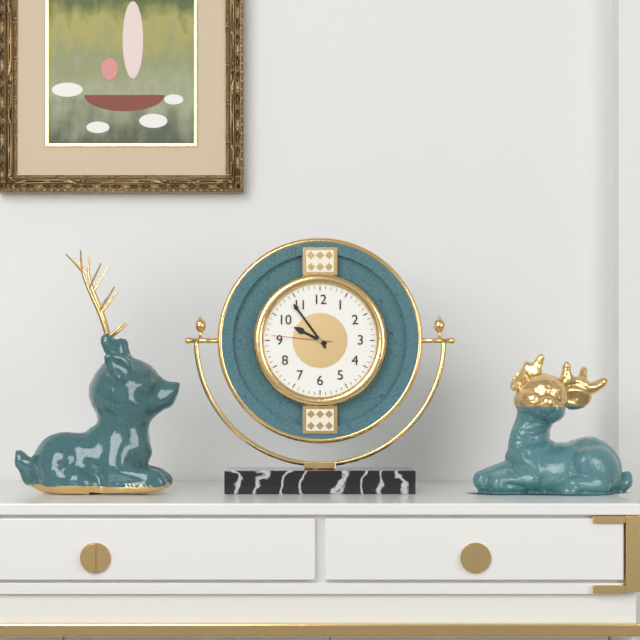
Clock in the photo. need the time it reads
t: 9:54:46
